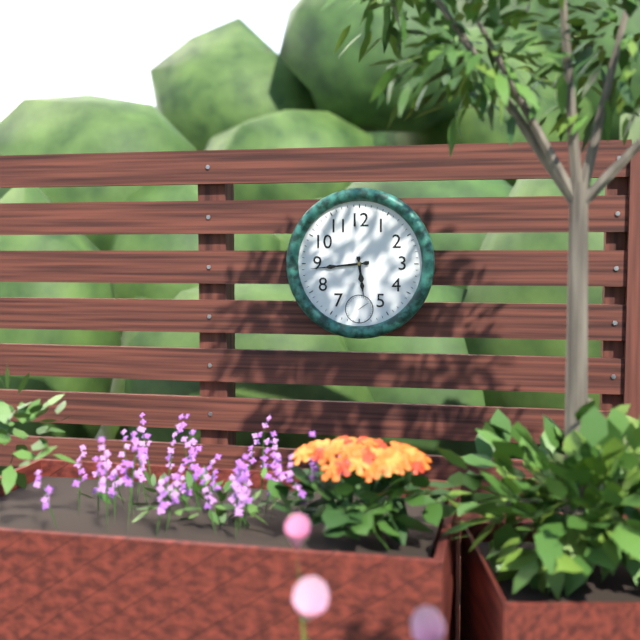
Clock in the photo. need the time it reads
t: 5:44
